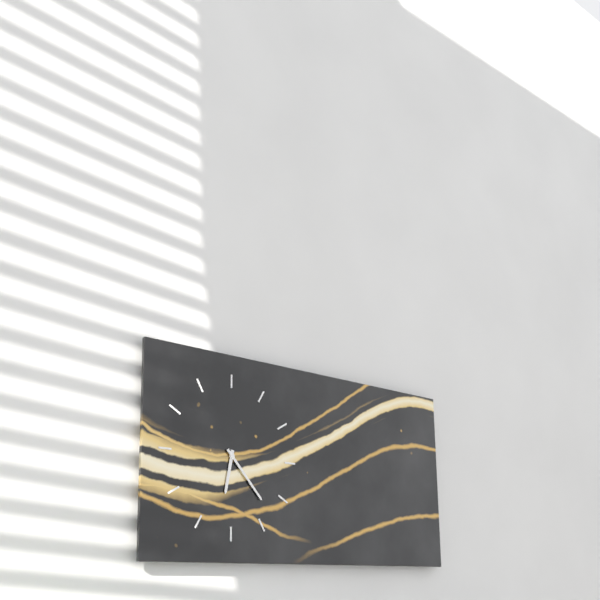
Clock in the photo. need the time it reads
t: 6:23
